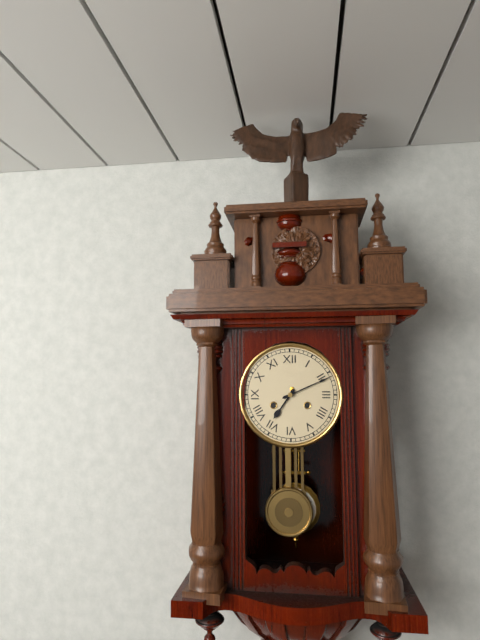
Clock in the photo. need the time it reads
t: 7:11
